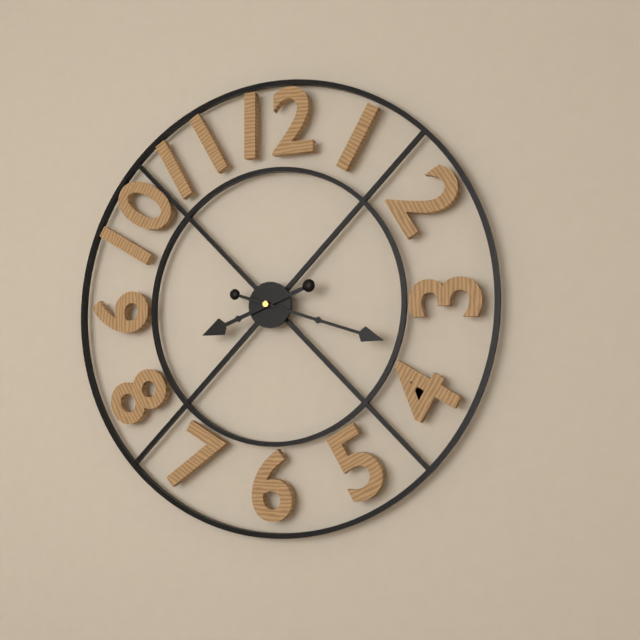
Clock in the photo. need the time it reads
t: 8:18
